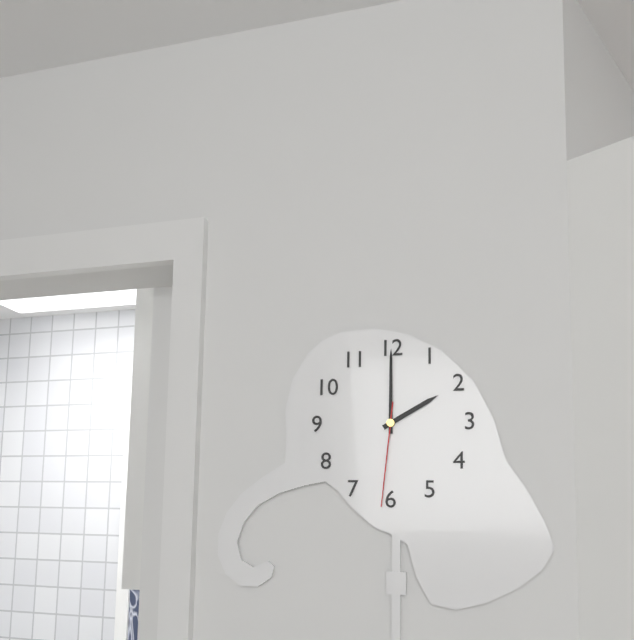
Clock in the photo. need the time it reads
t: 2:00:31
